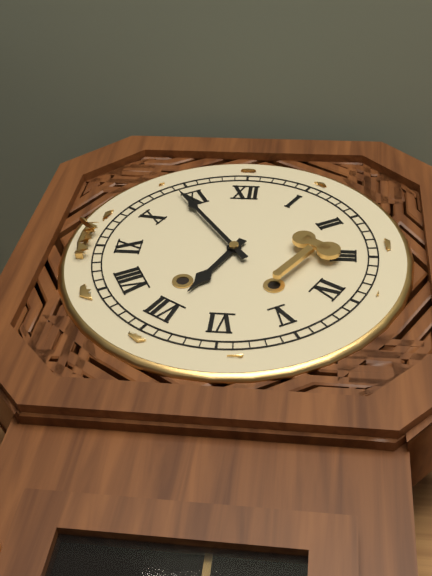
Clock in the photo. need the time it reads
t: 6:54
